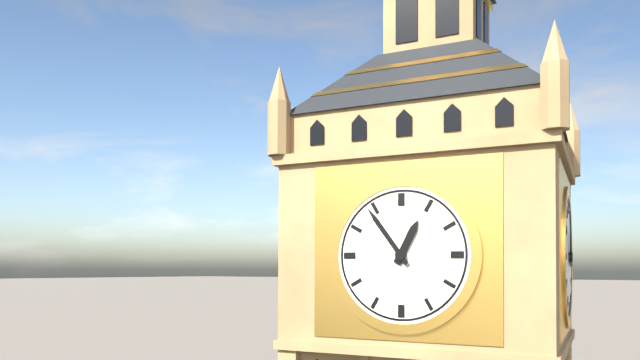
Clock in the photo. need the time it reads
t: 12:54
